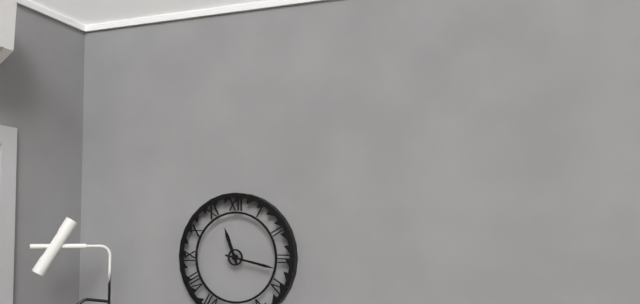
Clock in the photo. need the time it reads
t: 11:17
